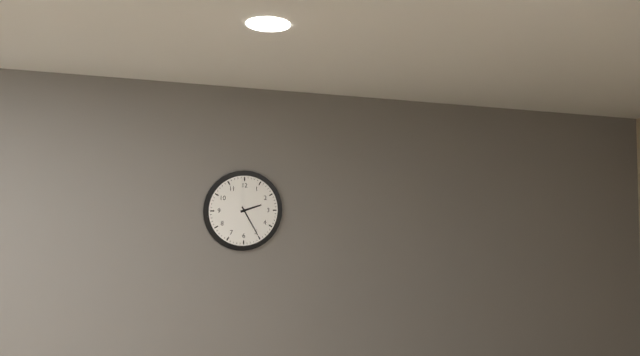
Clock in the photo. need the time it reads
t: 2:25
